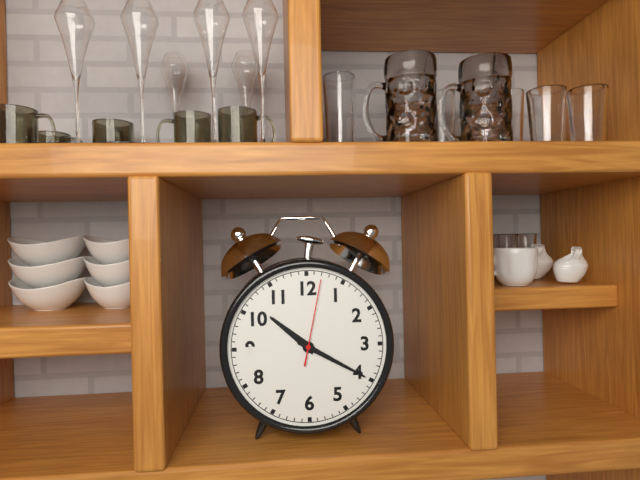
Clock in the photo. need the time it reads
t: 10:20:02
